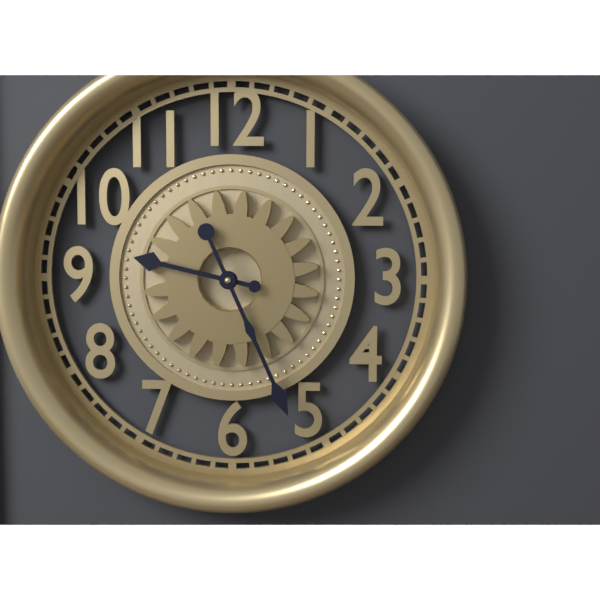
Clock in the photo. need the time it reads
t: 9:26
